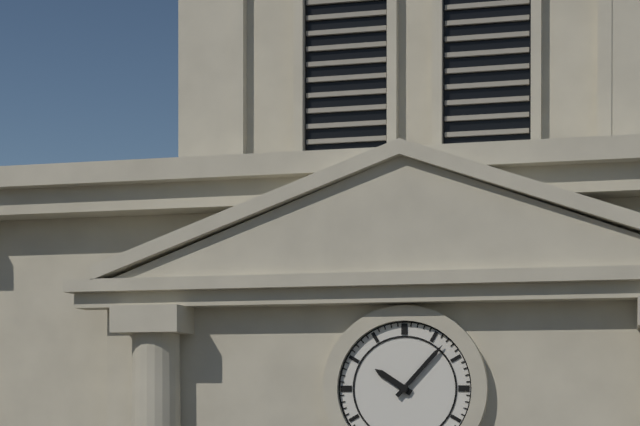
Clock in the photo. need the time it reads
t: 10:07
